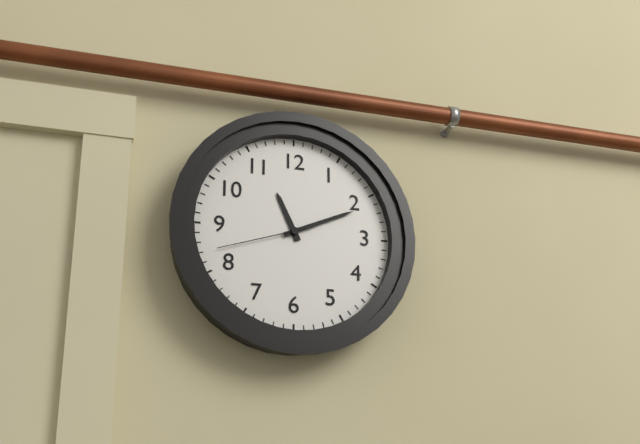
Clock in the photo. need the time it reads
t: 11:11:42
